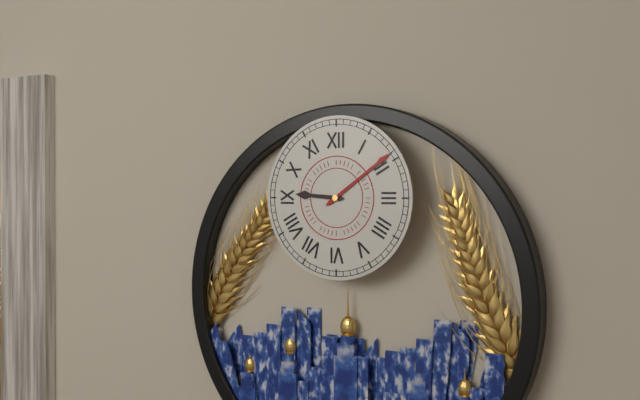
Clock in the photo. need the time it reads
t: 9:09
